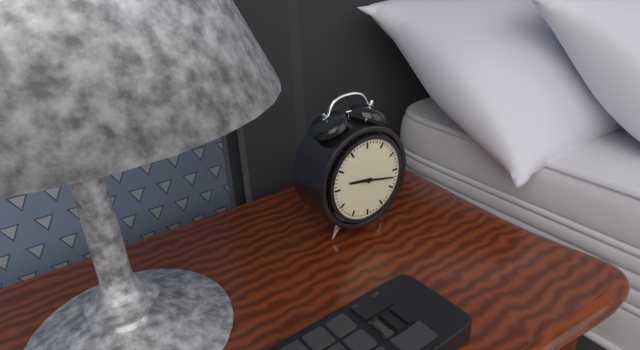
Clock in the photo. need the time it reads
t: 9:17
